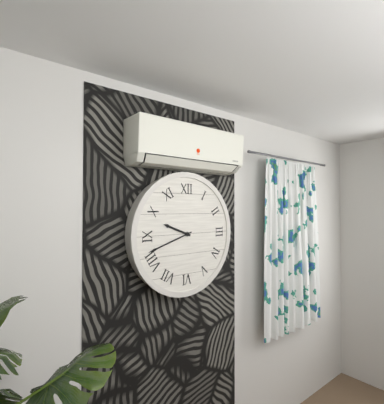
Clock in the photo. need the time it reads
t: 9:42
